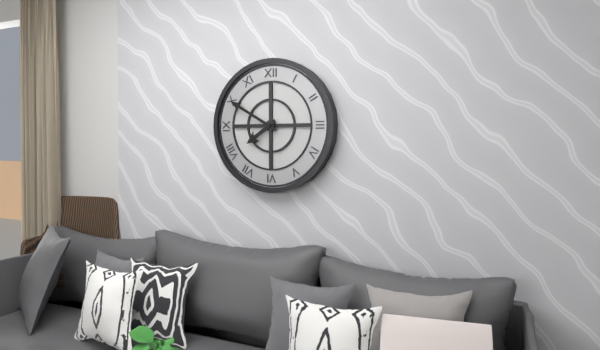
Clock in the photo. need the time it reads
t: 7:50
